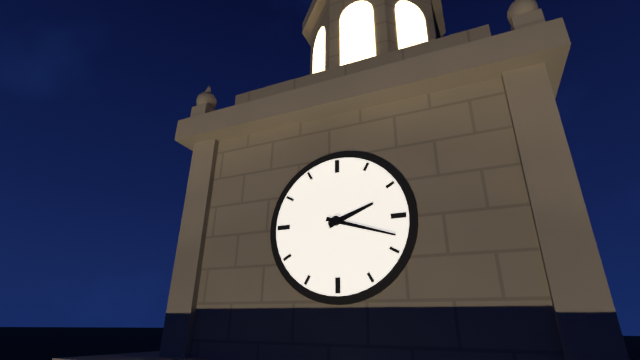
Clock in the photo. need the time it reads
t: 2:18
